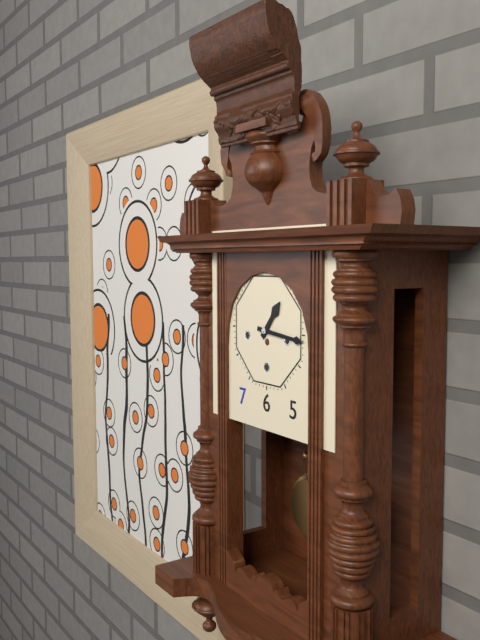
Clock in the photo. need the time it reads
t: 1:16
